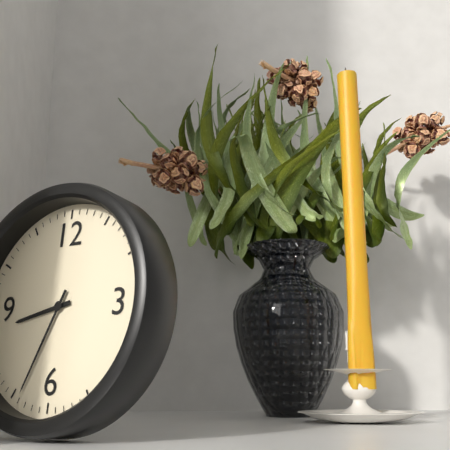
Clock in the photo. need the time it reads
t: 8:34
